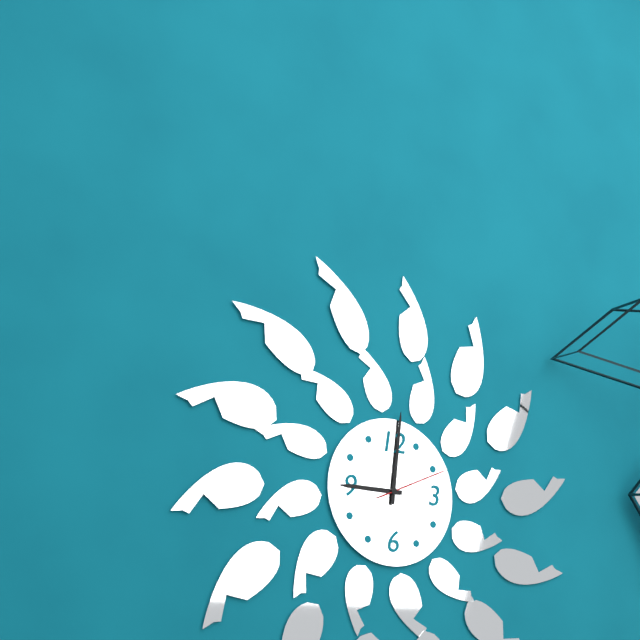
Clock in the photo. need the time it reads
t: 9:01:11
